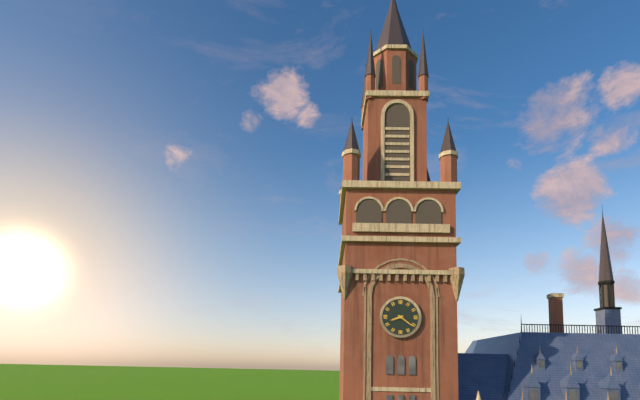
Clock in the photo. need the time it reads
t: 8:21
